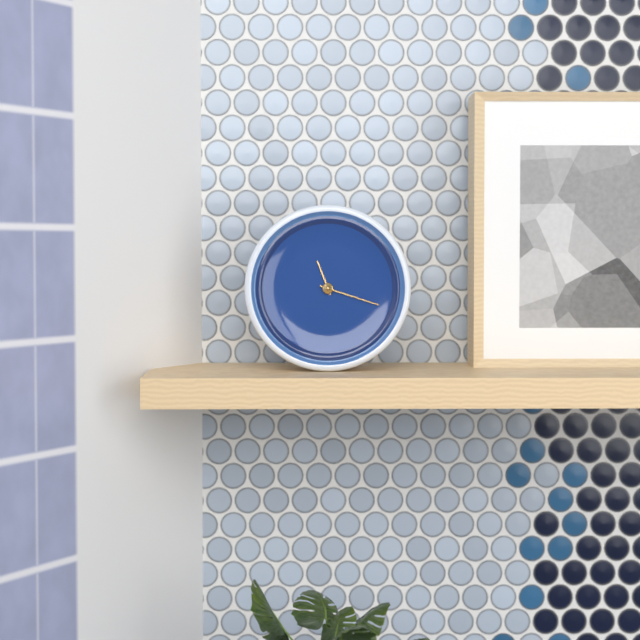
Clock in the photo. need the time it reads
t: 11:18
